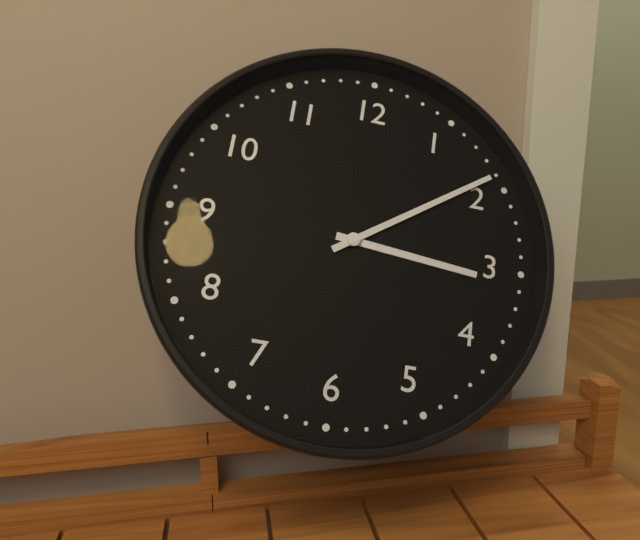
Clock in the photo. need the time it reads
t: 3:09
